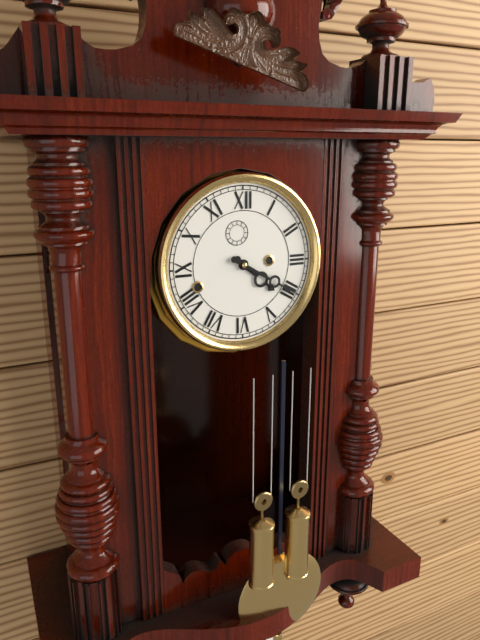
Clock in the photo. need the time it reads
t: 4:20
